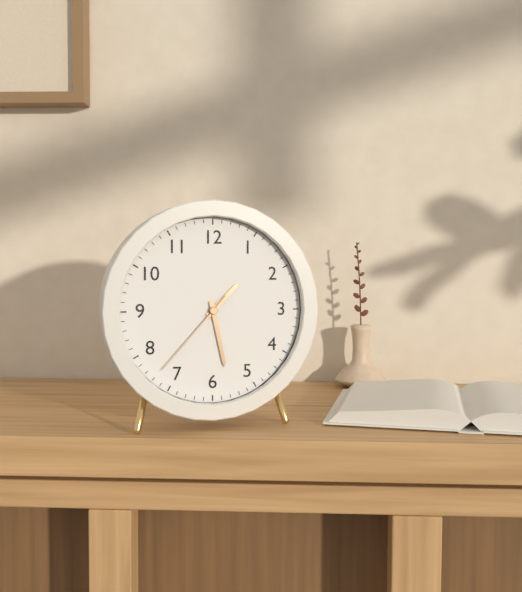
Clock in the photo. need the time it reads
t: 1:28:37
